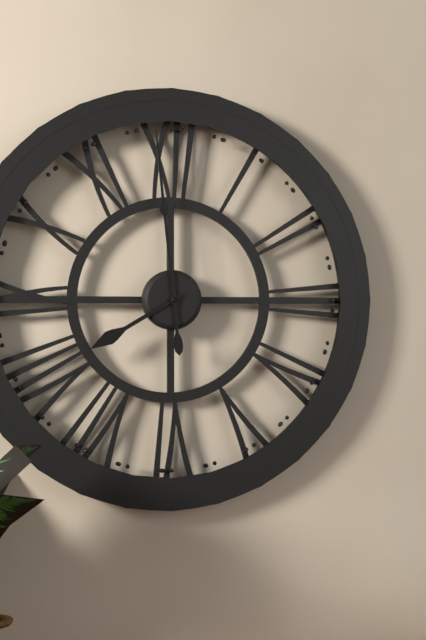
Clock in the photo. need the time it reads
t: 7:59
